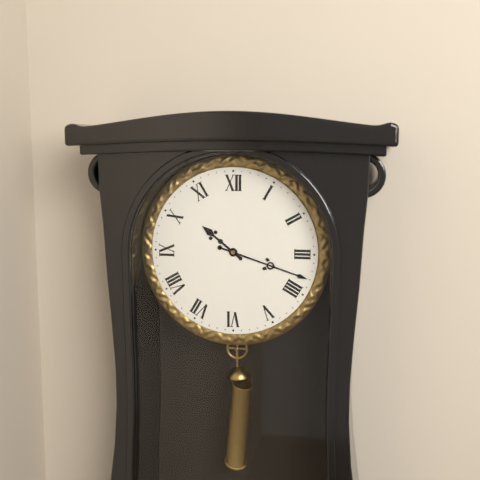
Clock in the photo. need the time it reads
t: 10:18
